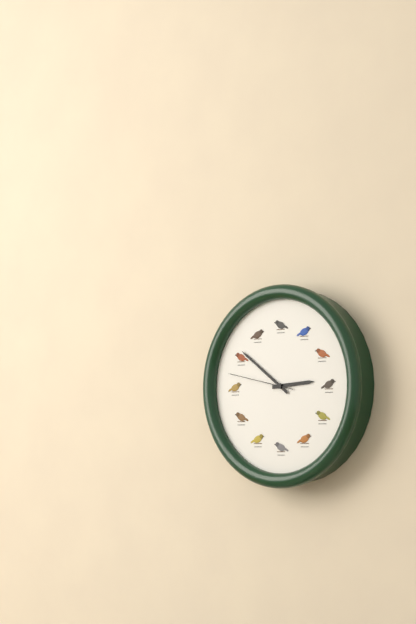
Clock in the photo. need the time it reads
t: 2:51:47
